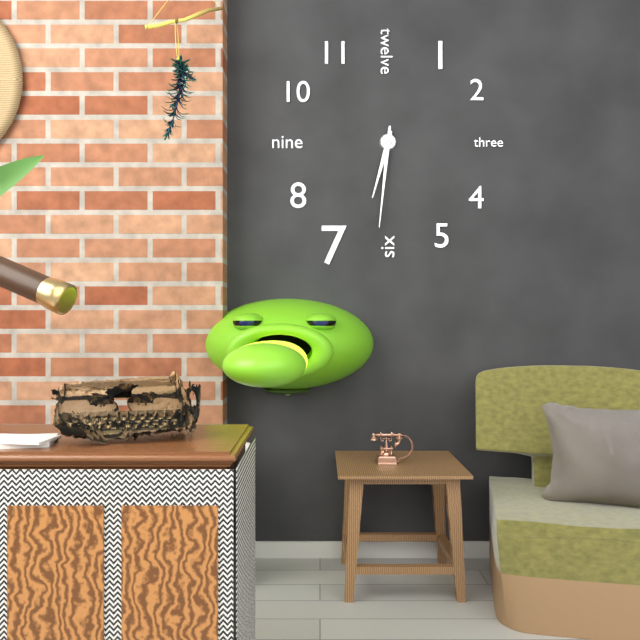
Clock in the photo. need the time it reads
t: 6:31
